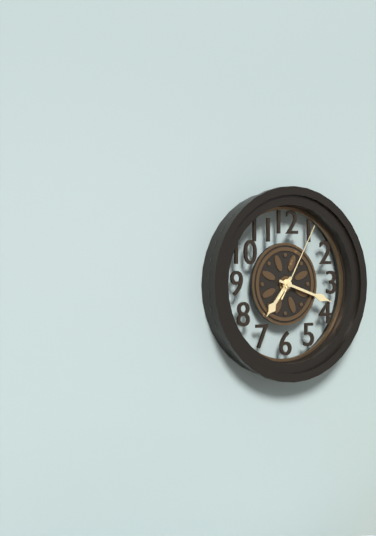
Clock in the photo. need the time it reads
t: 7:18:05
